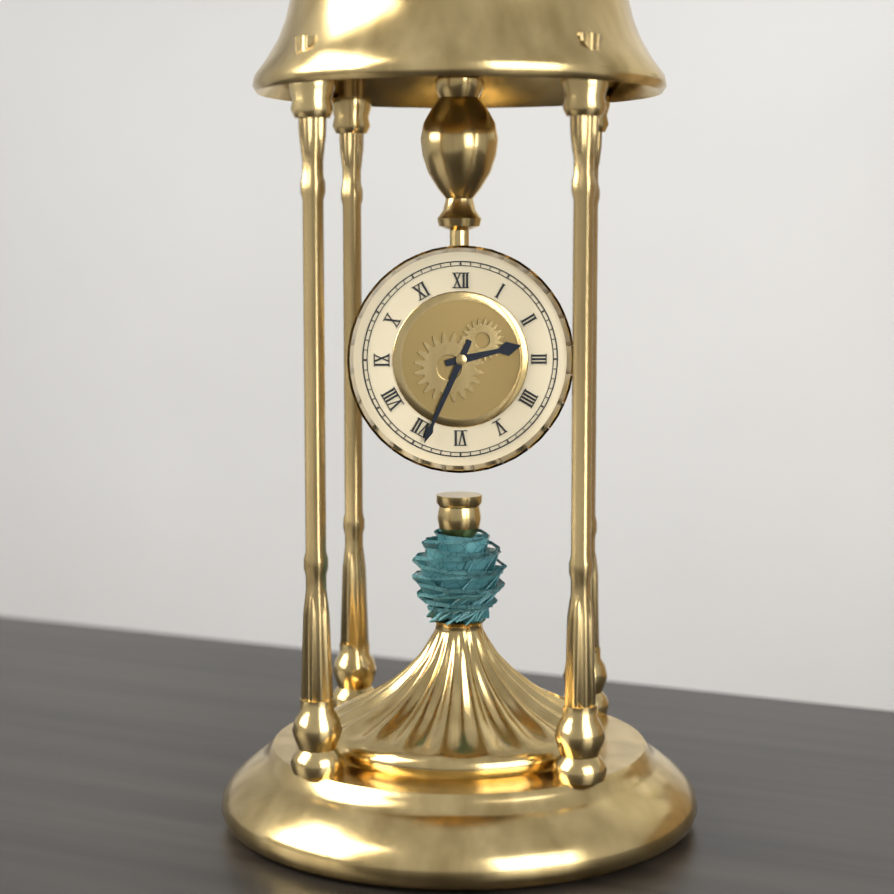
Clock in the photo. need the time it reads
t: 2:34
